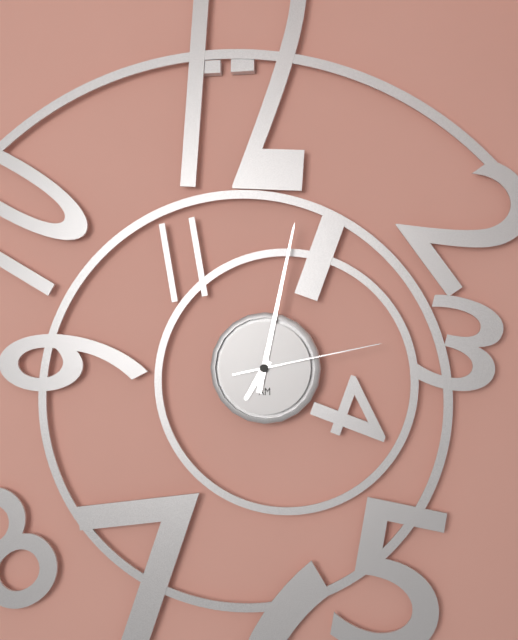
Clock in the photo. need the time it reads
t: 7:02:13
